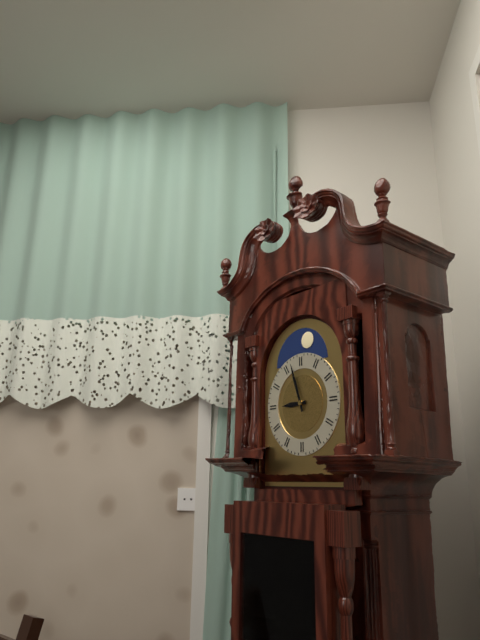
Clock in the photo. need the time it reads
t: 8:57
